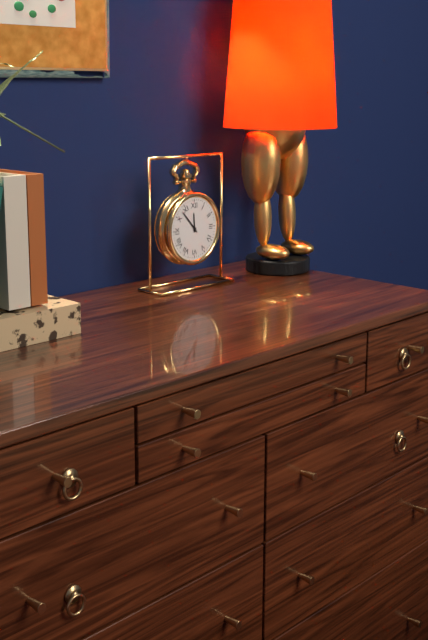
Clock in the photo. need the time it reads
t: 11:53
